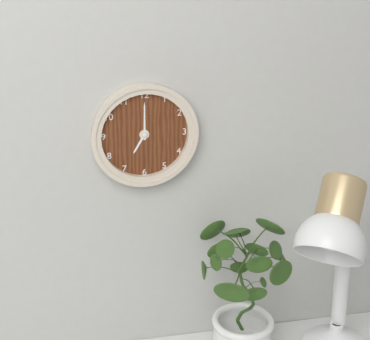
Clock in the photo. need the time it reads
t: 7:00
